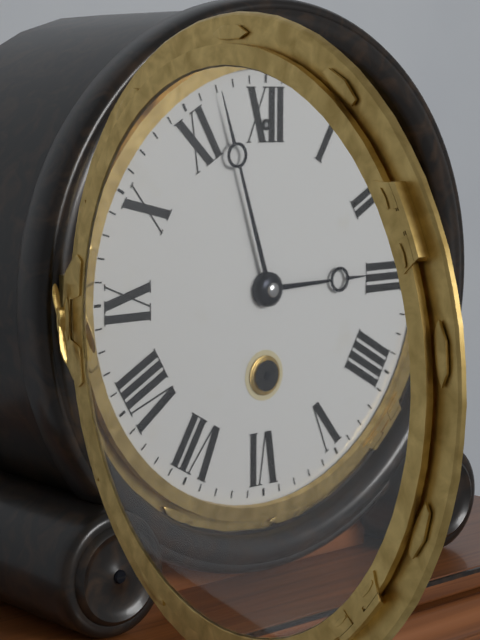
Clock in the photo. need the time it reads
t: 2:57
